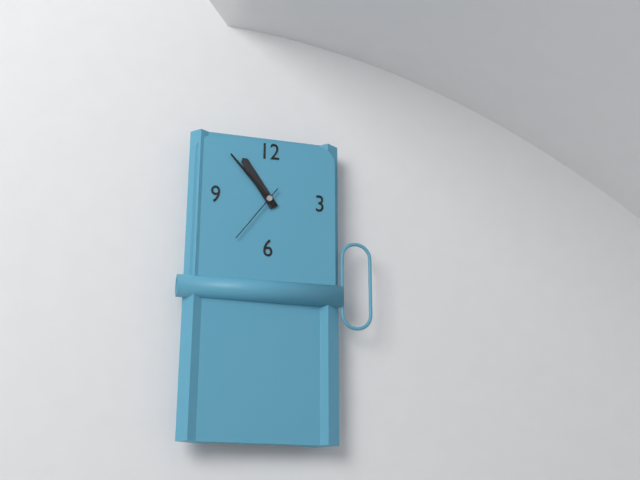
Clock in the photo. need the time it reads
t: 10:53:36
